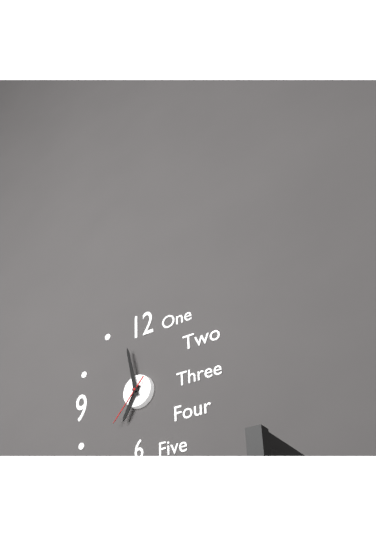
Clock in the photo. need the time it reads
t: 6:58:37
